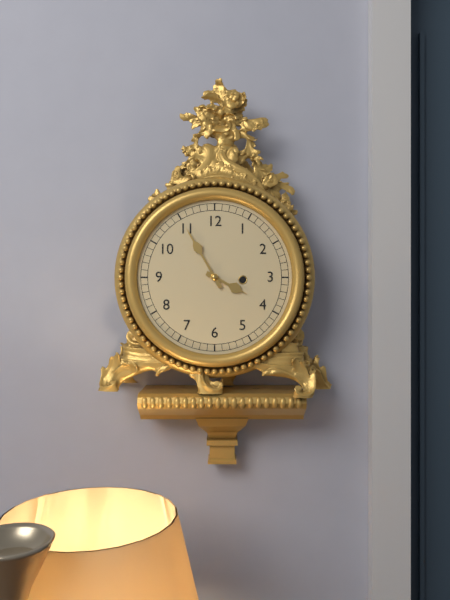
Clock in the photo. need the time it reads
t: 3:55
